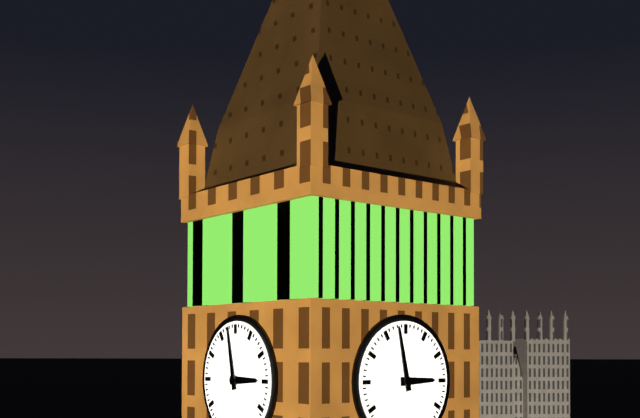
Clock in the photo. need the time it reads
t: 2:58
